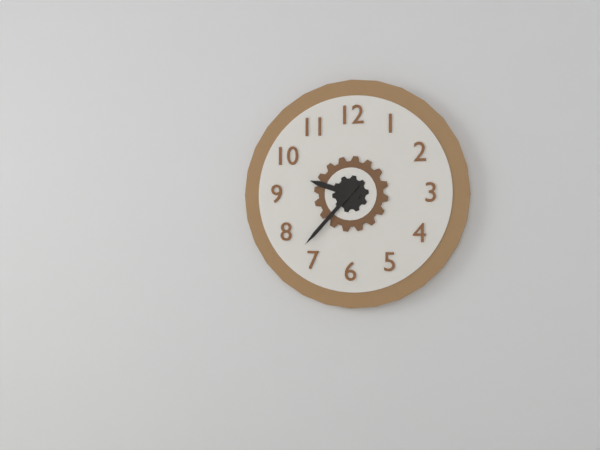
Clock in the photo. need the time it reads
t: 9:37
